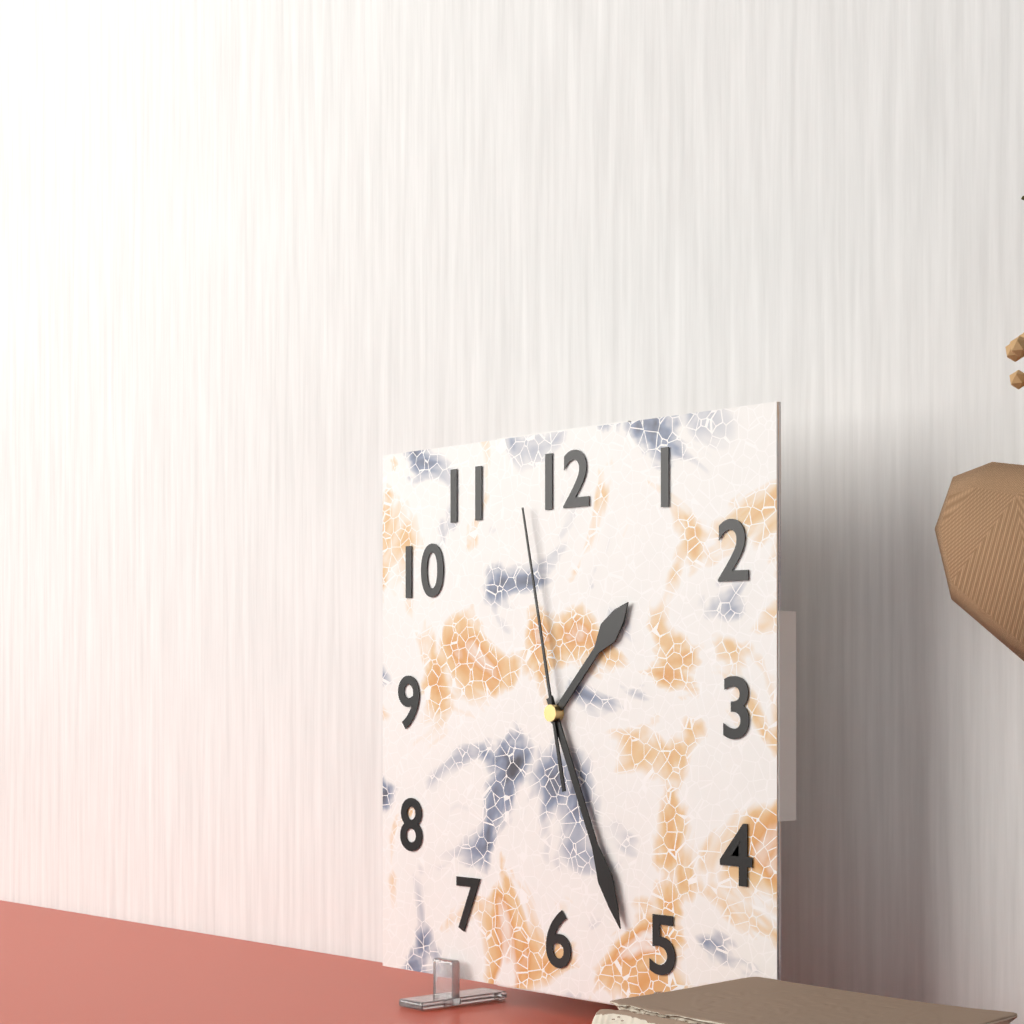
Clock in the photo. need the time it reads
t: 1:26:58
